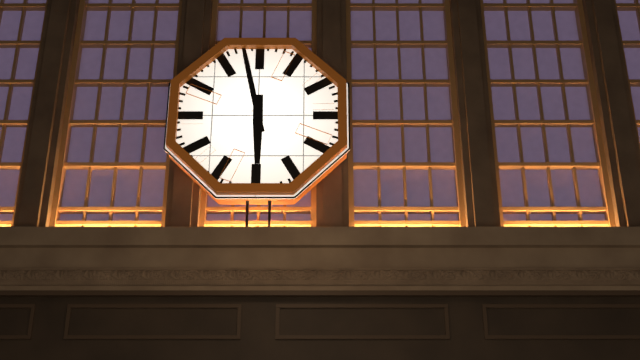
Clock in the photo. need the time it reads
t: 5:58
